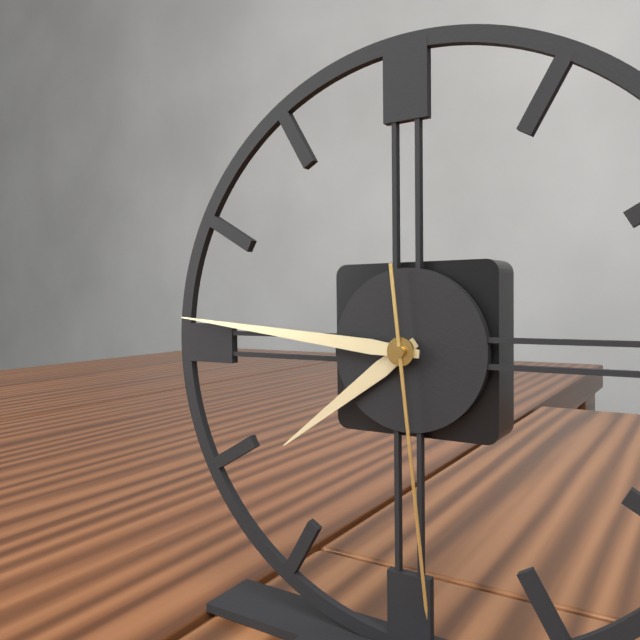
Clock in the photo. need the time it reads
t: 7:46:29
